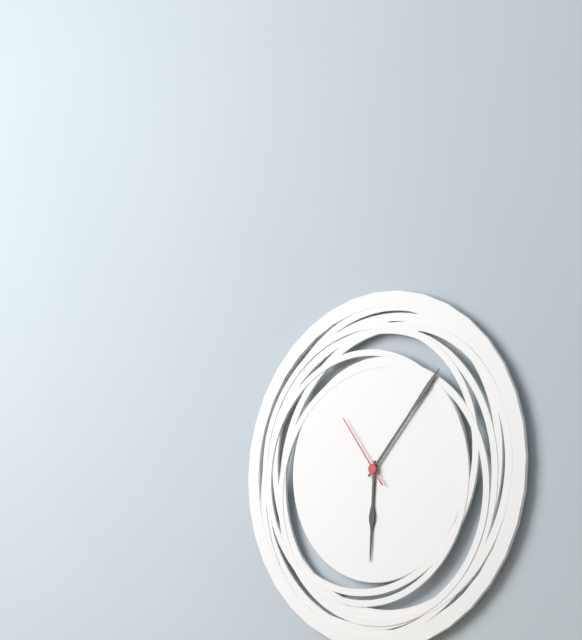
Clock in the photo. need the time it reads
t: 6:07:54
